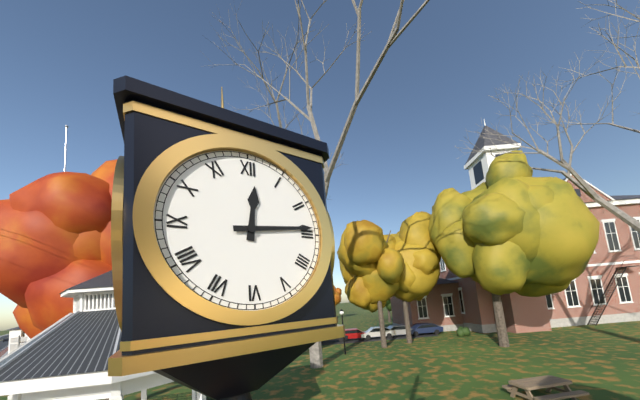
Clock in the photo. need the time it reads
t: 12:14
